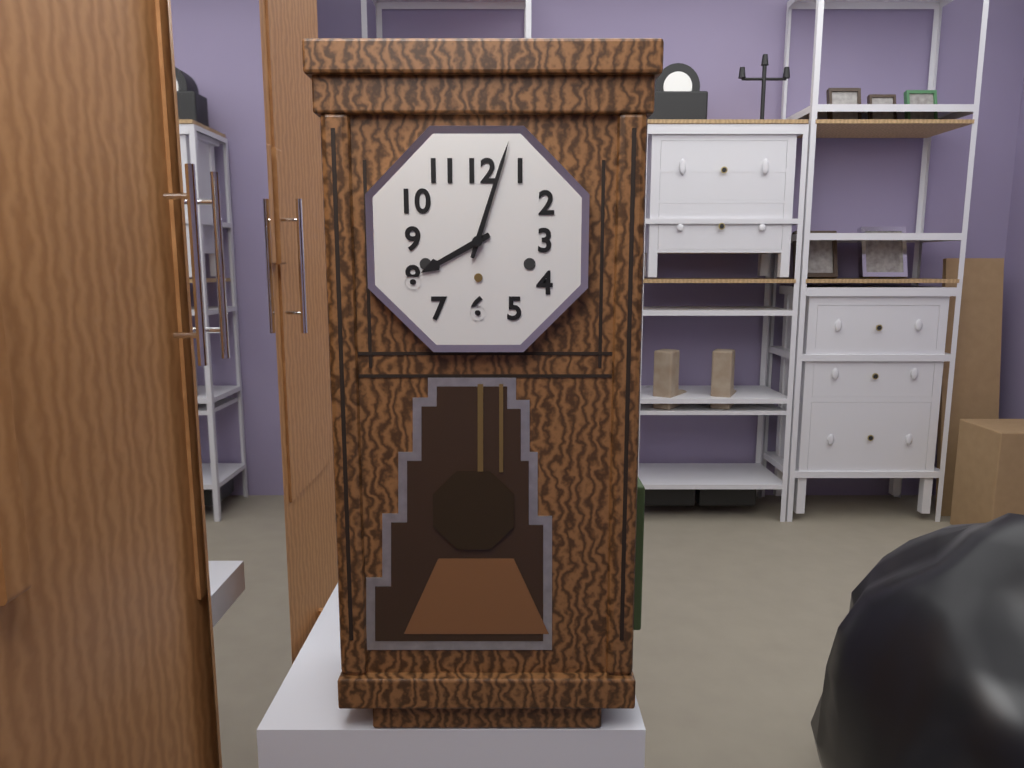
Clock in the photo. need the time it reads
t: 8:03
